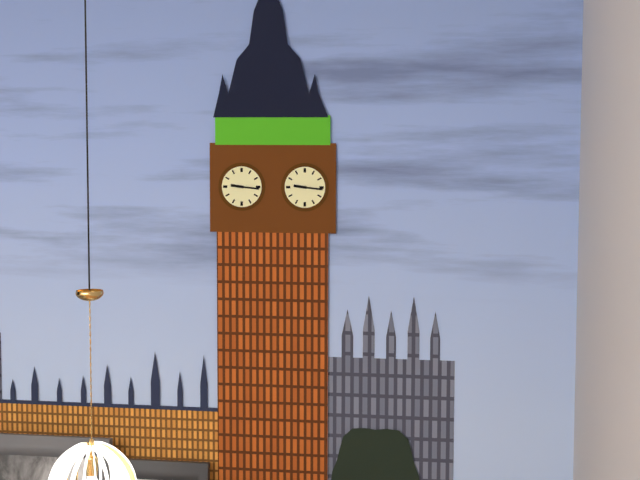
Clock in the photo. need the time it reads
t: 9:16
